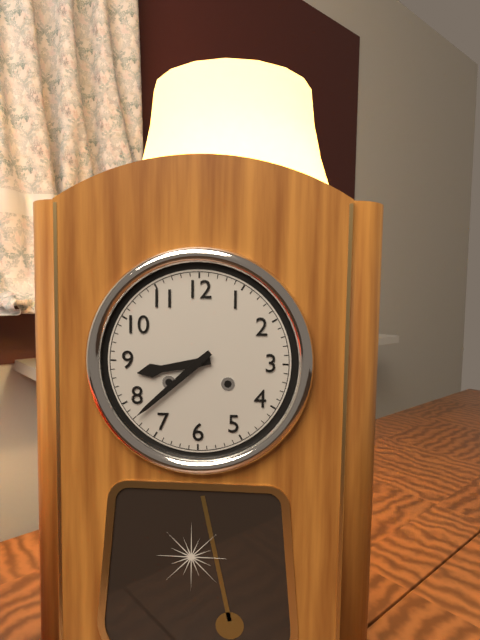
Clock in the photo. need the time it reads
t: 8:38
